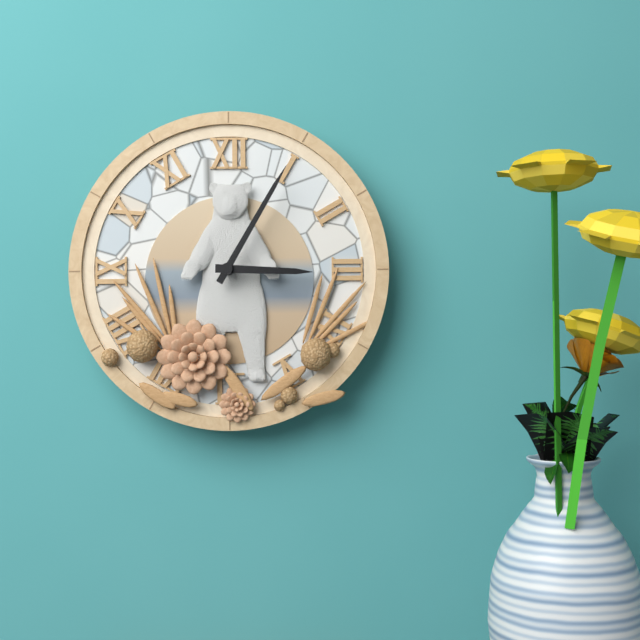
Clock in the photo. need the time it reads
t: 3:05
